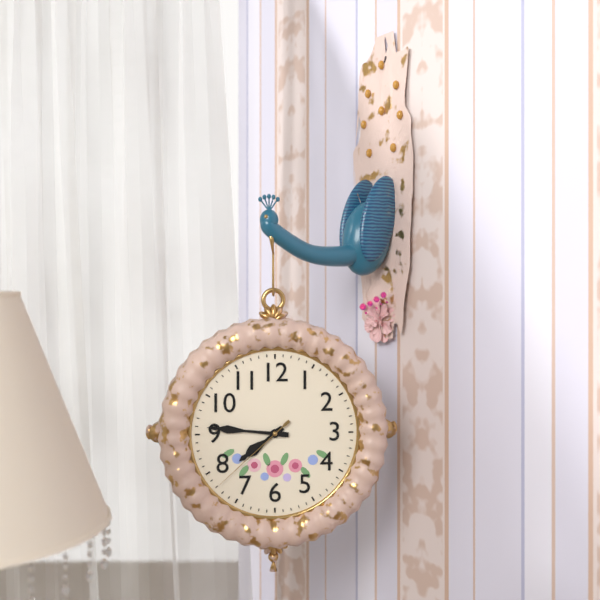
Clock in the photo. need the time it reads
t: 7:46:38
